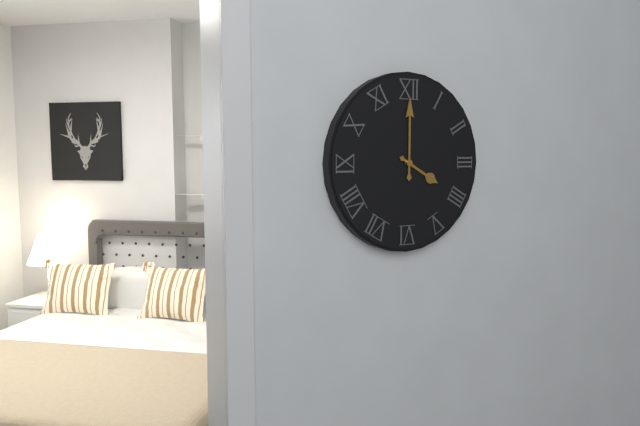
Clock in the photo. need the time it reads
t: 4:00
